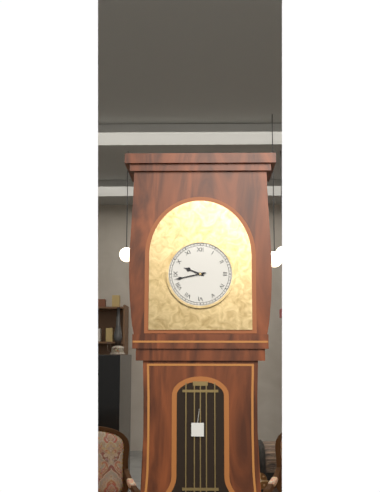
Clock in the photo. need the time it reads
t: 9:43
